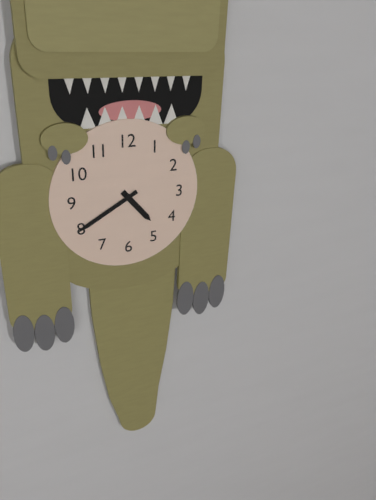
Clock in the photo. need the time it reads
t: 4:40
